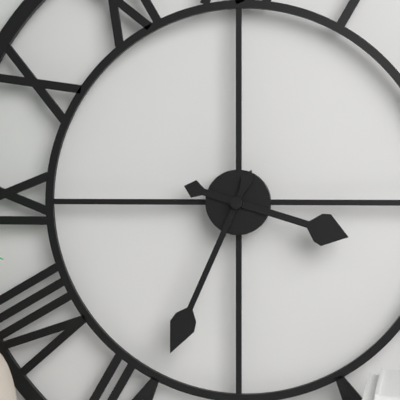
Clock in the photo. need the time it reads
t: 3:34
